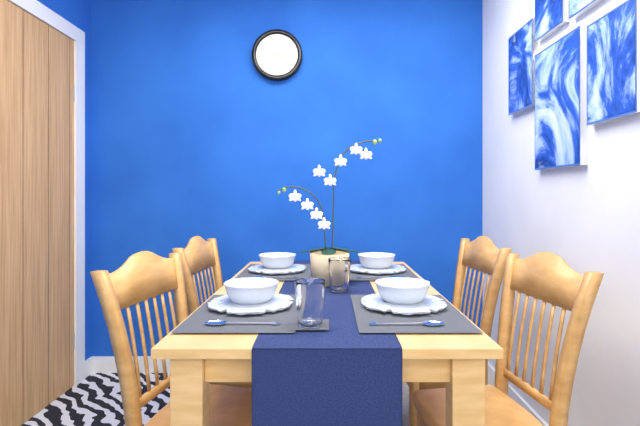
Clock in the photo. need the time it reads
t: 3:53
